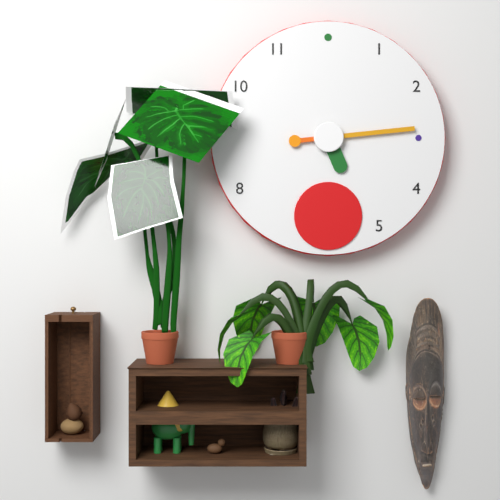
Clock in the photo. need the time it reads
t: 5:14
